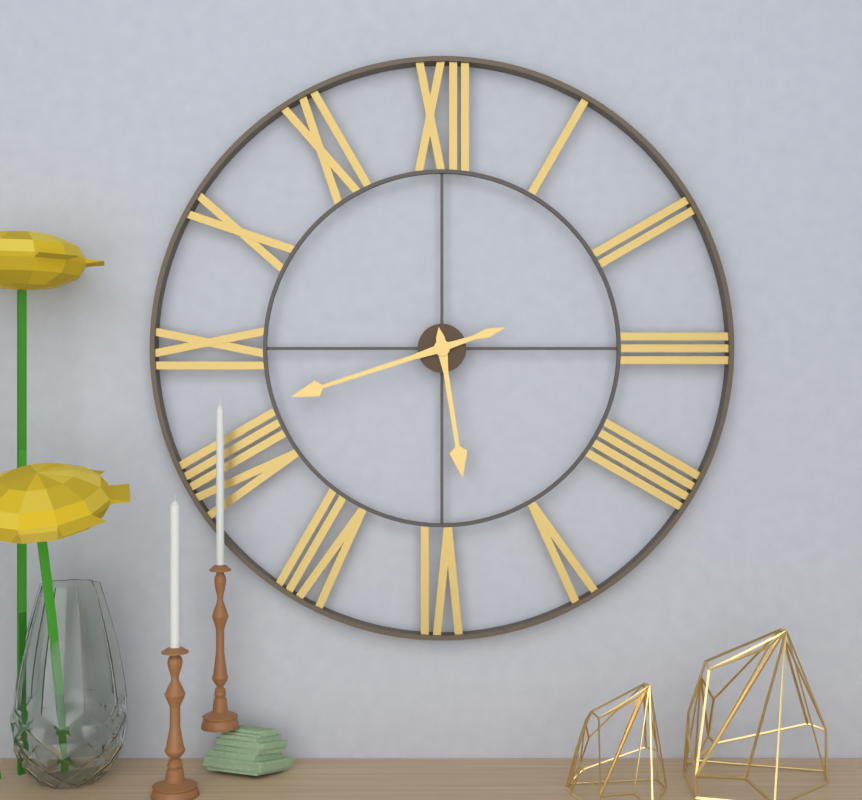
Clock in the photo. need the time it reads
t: 5:42
